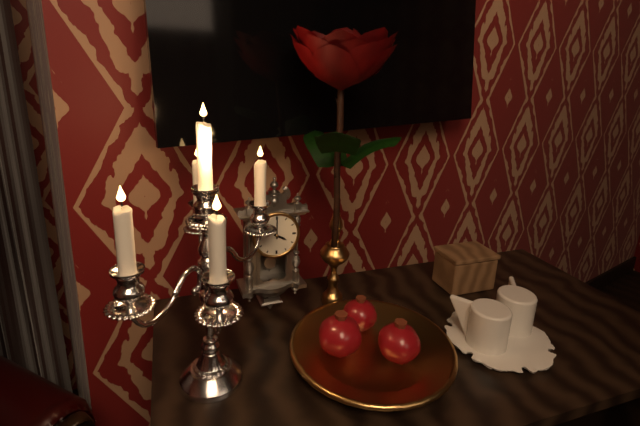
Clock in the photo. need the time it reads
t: 4:00
